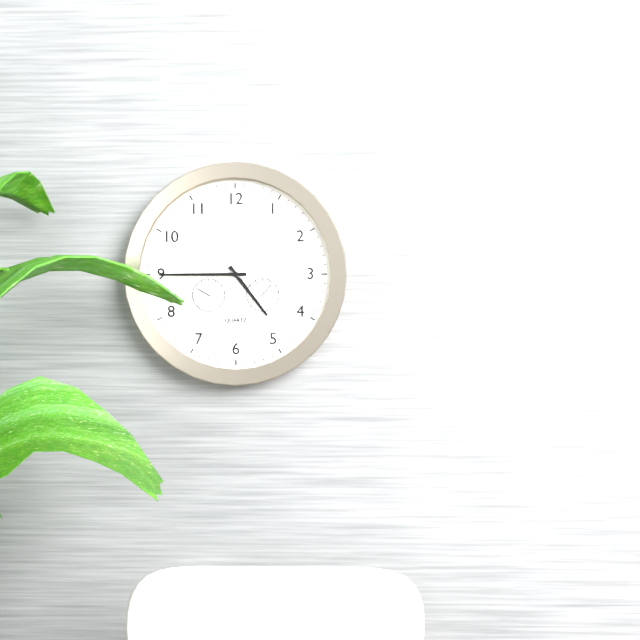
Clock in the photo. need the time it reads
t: 4:45:51
